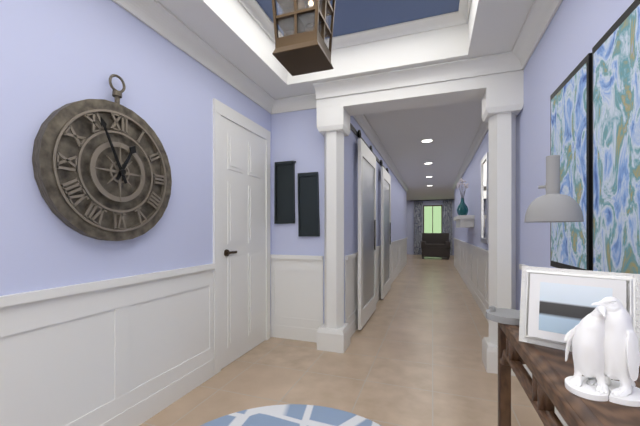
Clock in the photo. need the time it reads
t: 12:56
